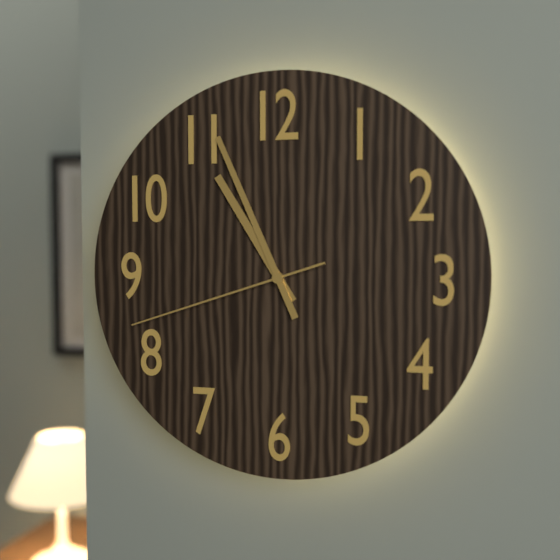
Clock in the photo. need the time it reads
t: 10:56:42
